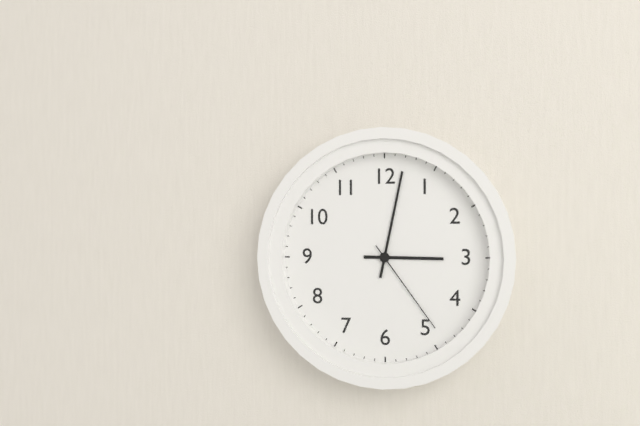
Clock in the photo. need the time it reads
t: 3:02:24
